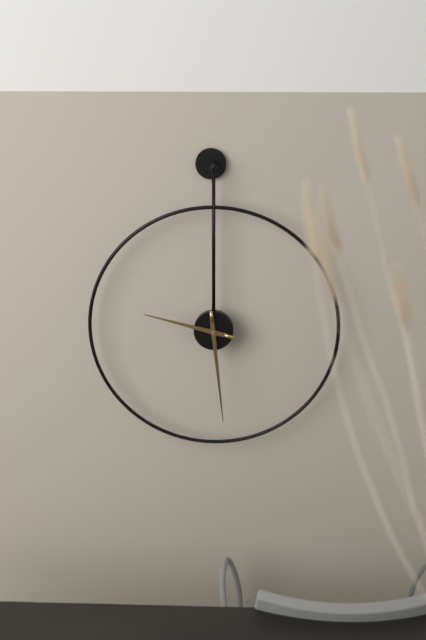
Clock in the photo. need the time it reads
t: 9:29
